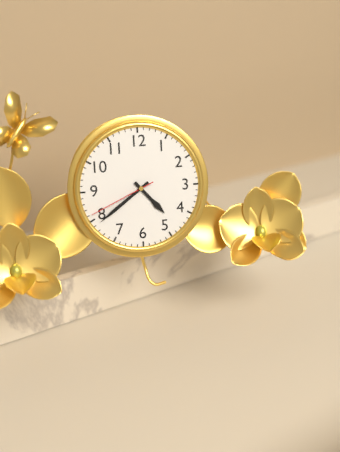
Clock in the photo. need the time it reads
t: 4:39:41
